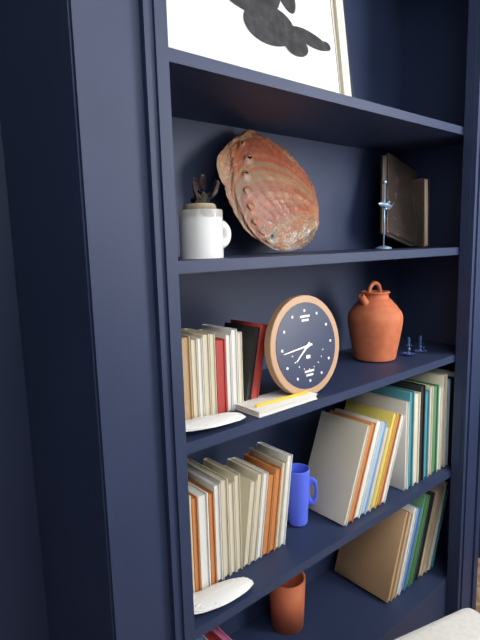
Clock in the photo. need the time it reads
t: 7:44
